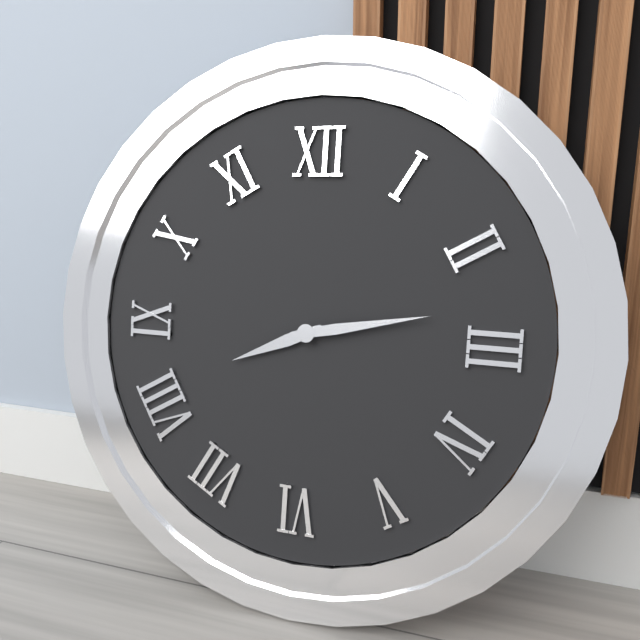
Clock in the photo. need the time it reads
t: 8:13
